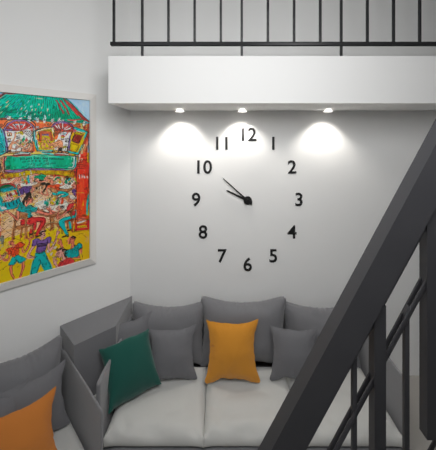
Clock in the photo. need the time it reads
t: 9:52
